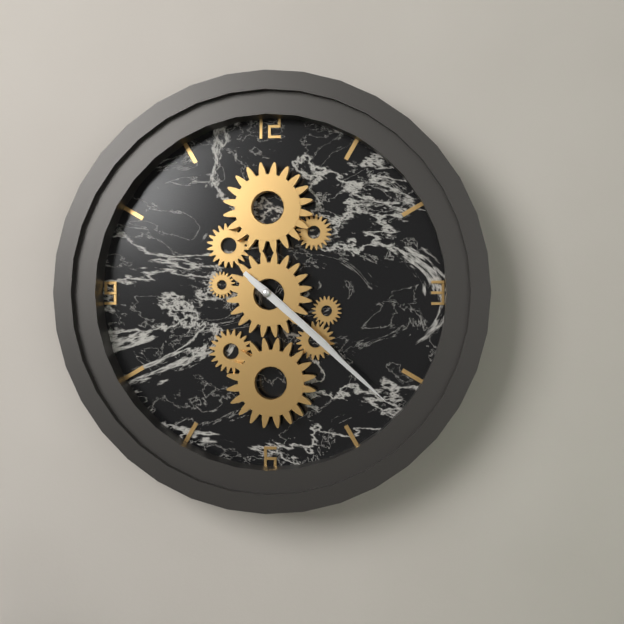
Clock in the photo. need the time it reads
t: 4:22
